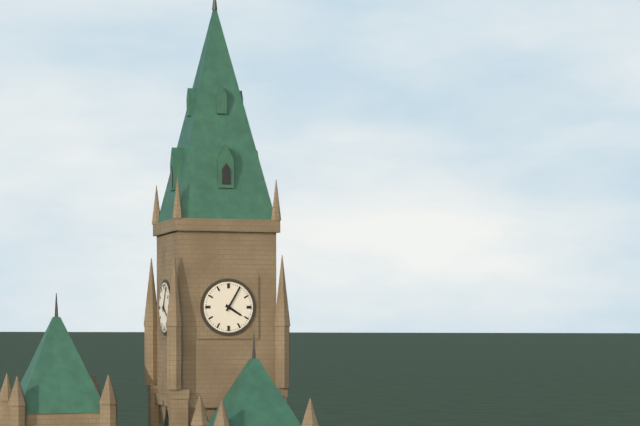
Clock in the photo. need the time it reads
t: 4:05
